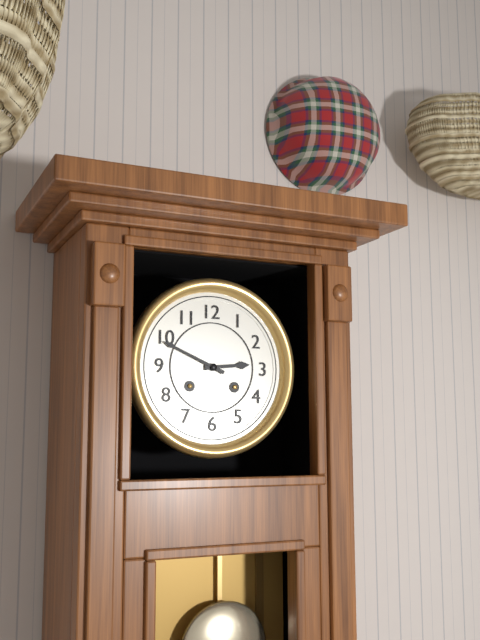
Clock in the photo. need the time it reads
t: 2:49
